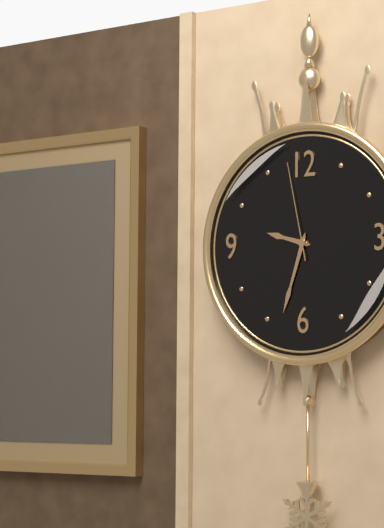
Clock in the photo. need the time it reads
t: 9:33:58
